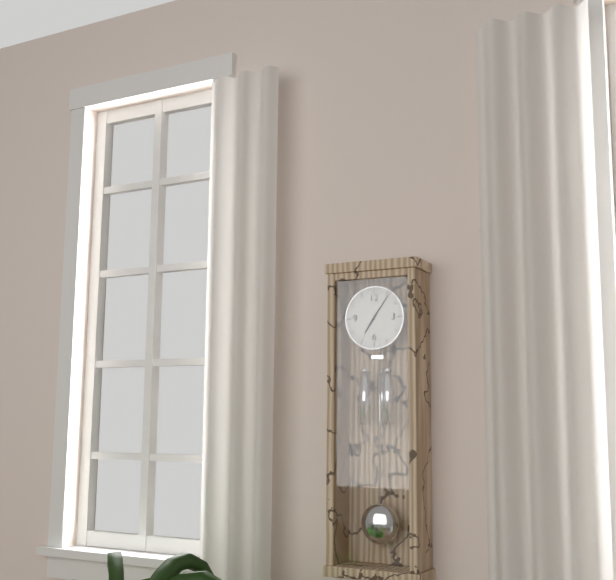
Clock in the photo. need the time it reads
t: 7:06
